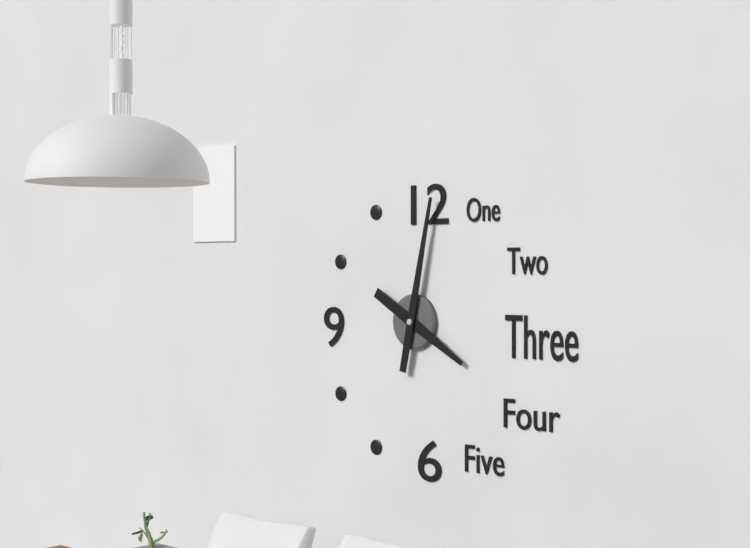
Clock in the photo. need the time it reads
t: 4:02
